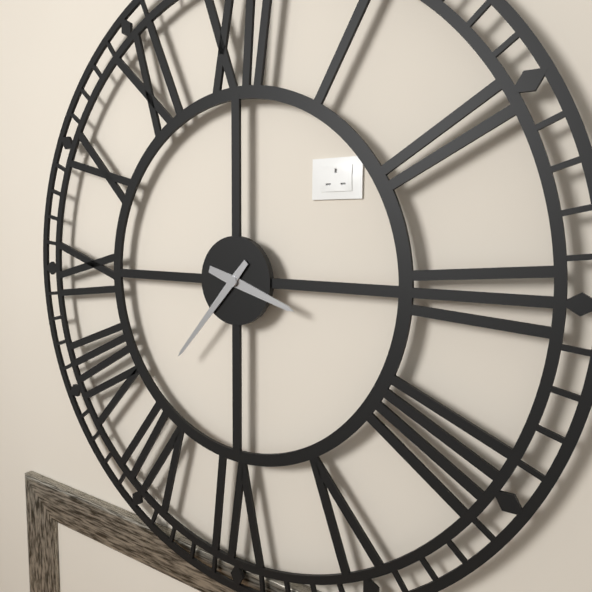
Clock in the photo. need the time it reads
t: 3:37
